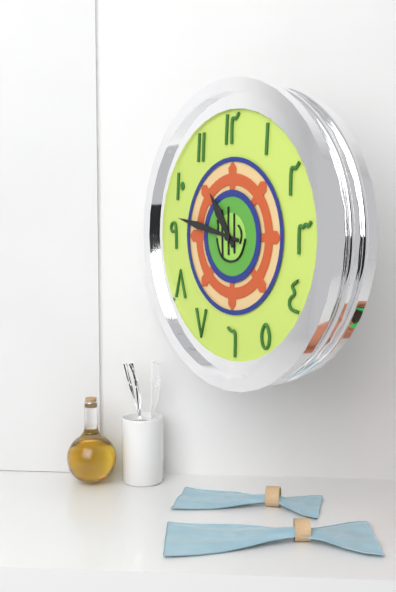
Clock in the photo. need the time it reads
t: 10:47
